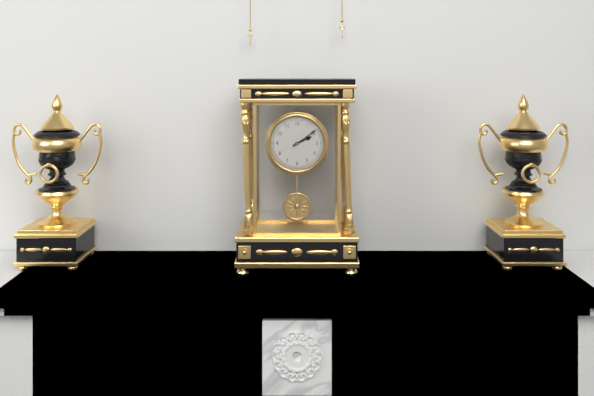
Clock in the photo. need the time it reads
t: 2:09
